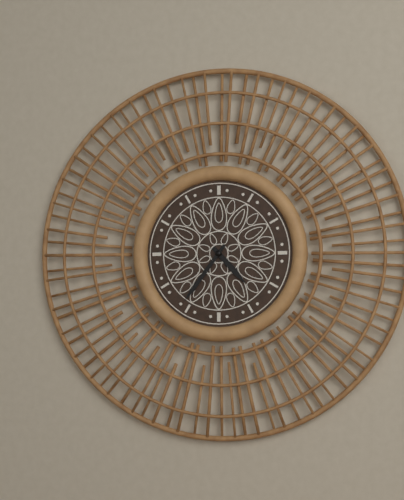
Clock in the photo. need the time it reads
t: 4:36
